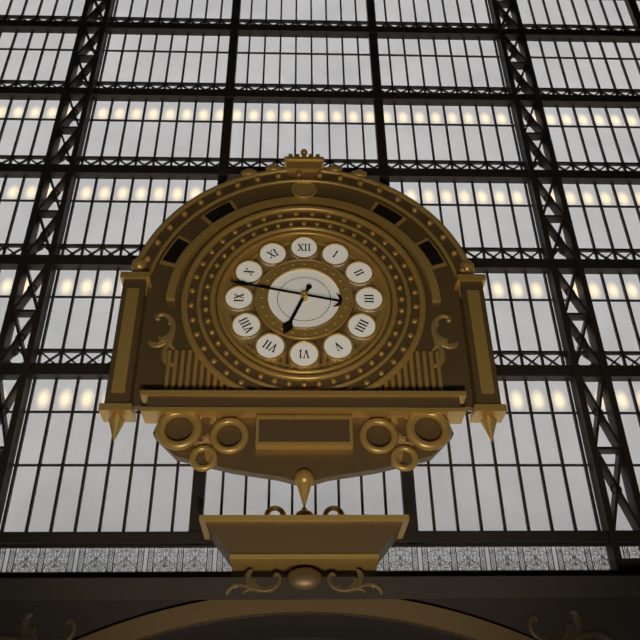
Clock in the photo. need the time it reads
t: 6:47
